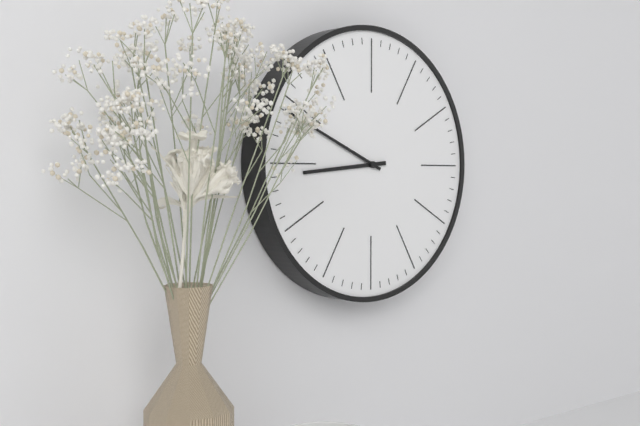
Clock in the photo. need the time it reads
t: 8:49
